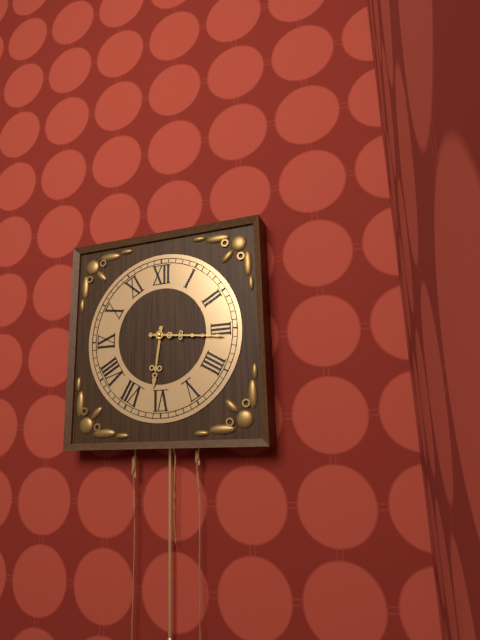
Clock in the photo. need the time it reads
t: 6:16
